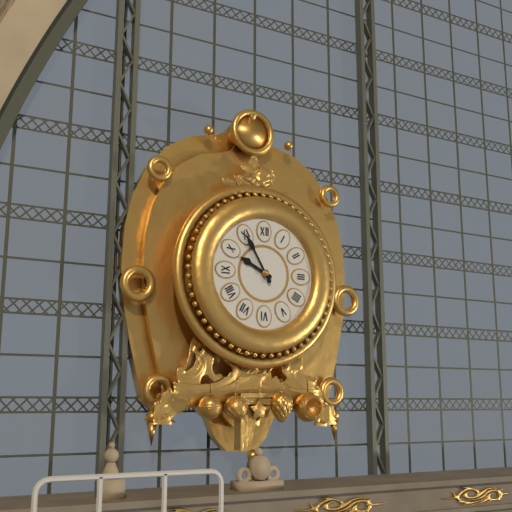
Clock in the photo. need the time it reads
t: 9:55
